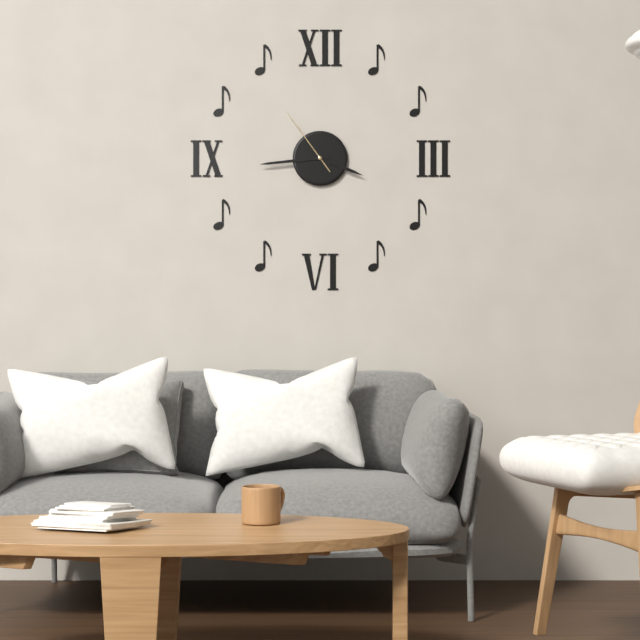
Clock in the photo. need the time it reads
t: 3:44:54
